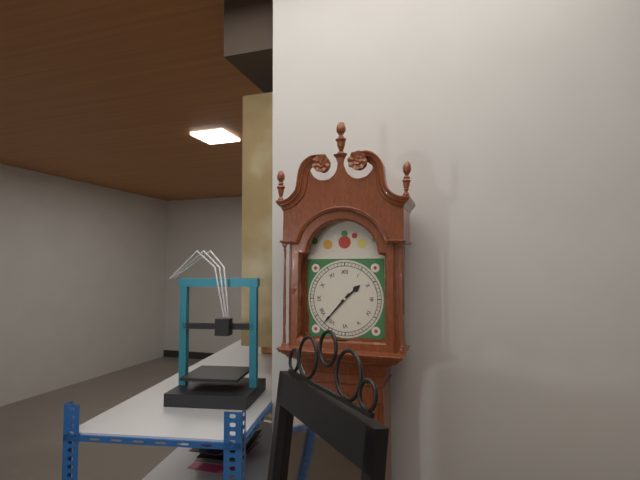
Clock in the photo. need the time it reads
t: 1:37
